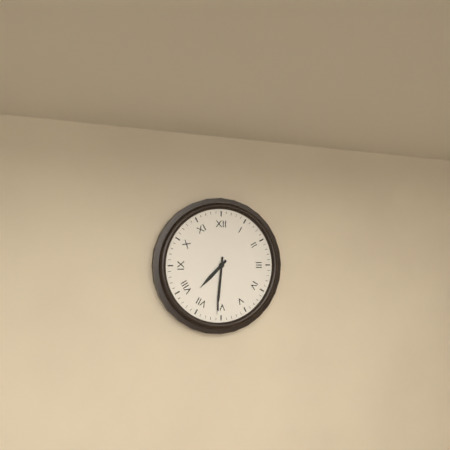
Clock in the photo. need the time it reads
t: 7:31
